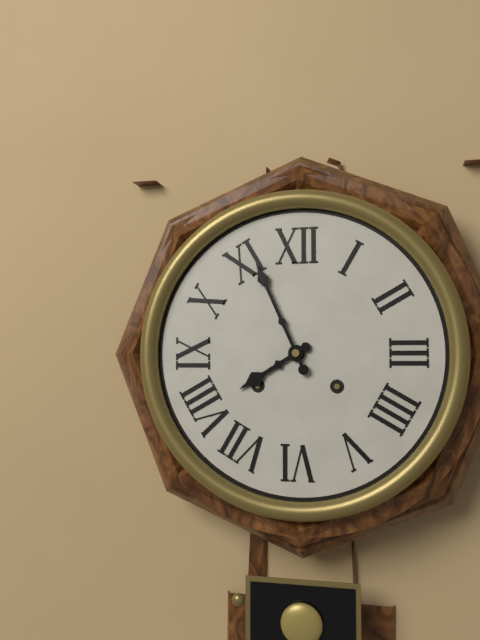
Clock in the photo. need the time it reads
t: 7:56
